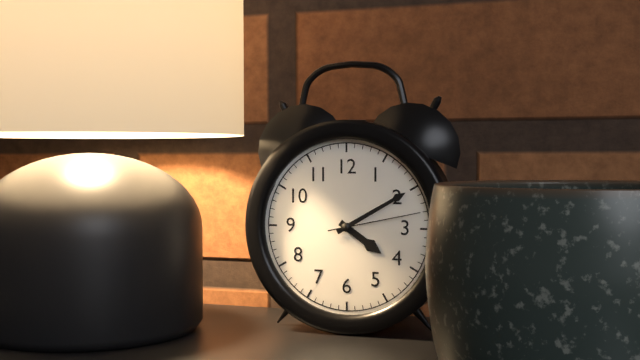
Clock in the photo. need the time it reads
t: 4:10:13
